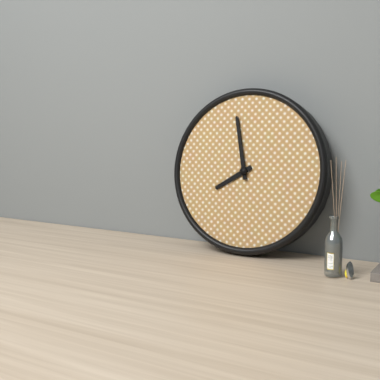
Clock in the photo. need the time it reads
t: 7:58
